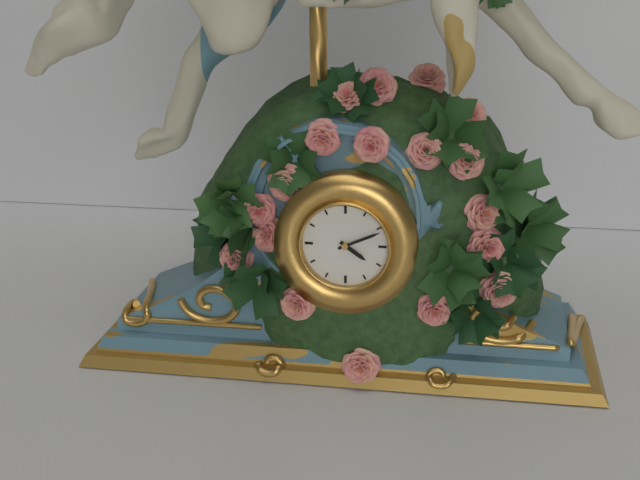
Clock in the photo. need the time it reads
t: 4:11
